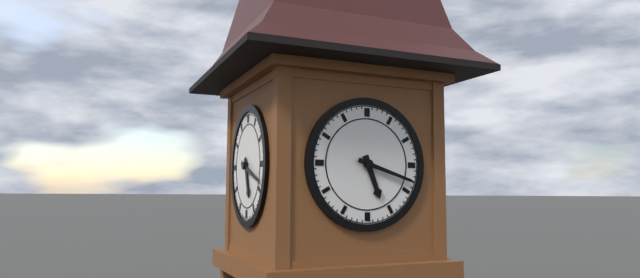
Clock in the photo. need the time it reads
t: 5:18
